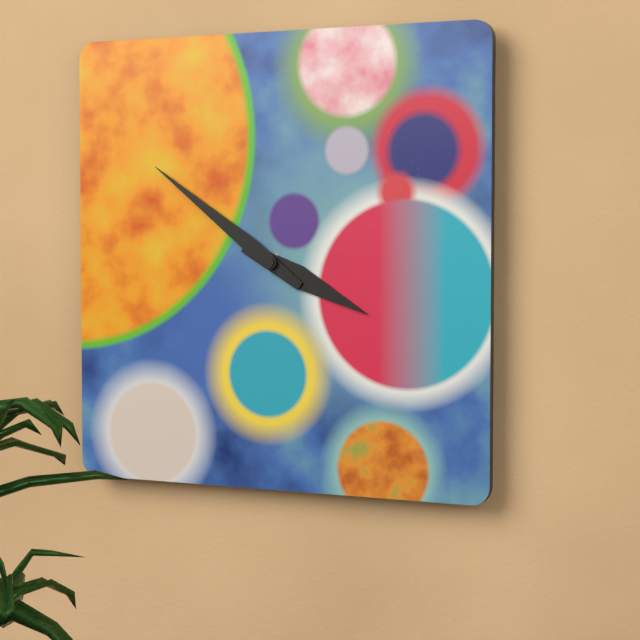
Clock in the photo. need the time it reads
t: 3:51
